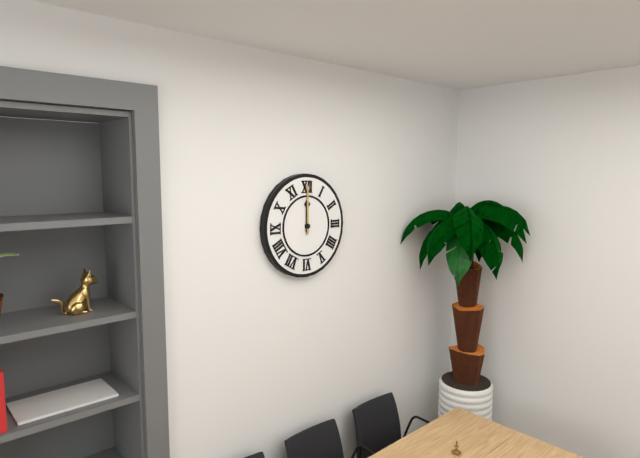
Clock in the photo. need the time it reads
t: 12:00
